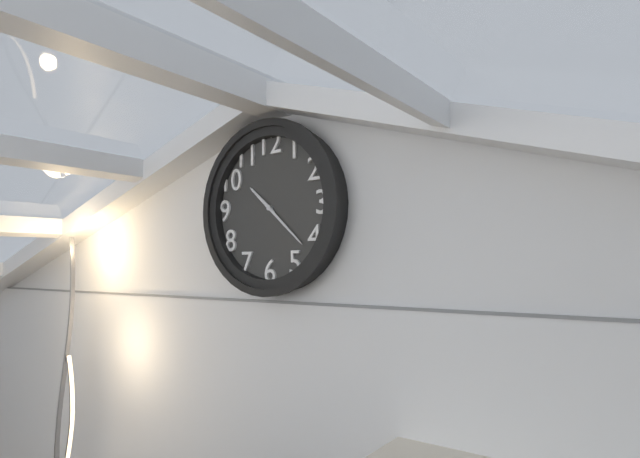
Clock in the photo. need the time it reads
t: 10:22
